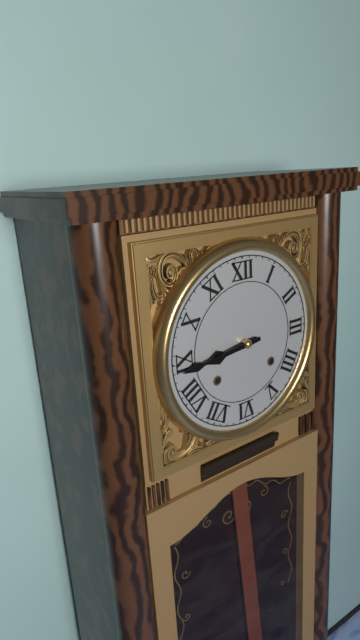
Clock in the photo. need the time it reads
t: 8:44
